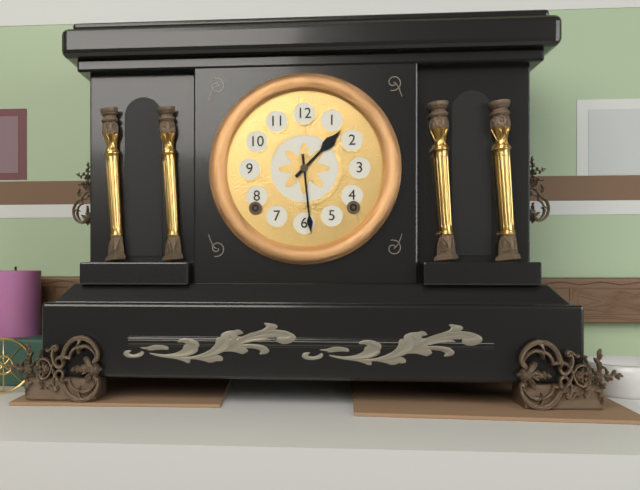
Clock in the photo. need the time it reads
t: 1:29
